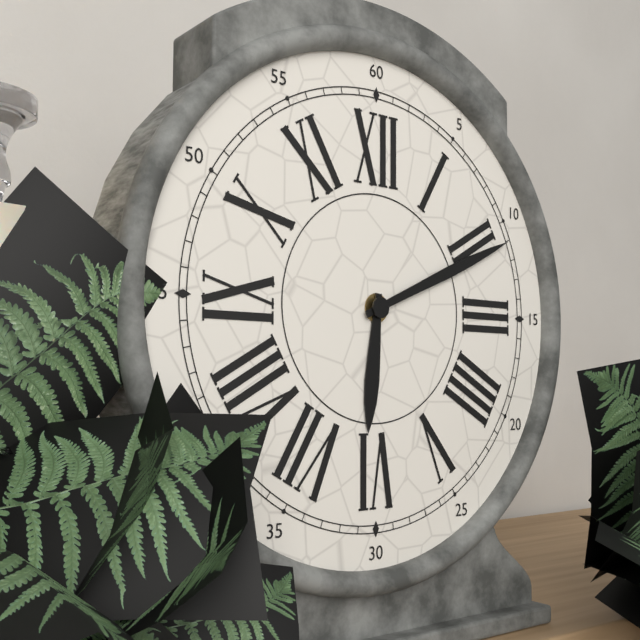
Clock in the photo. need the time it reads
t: 6:11
